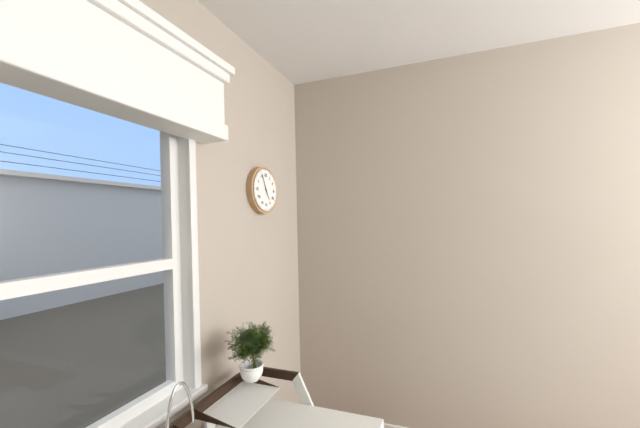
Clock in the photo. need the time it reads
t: 4:56
